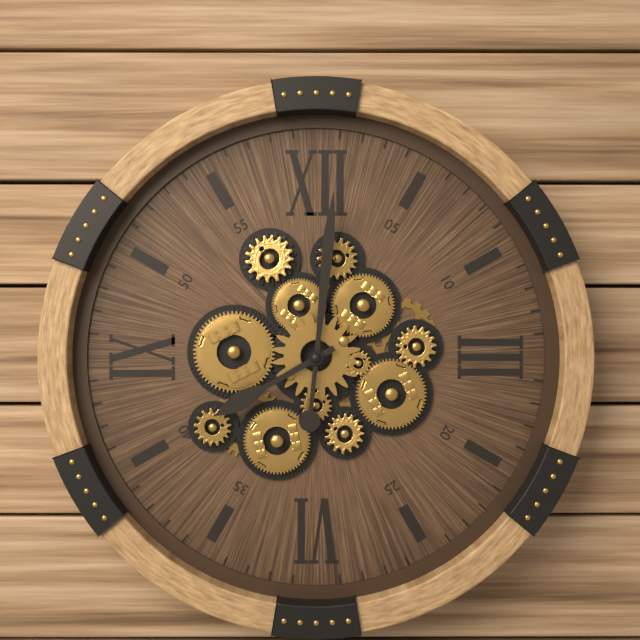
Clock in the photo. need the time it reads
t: 8:01
